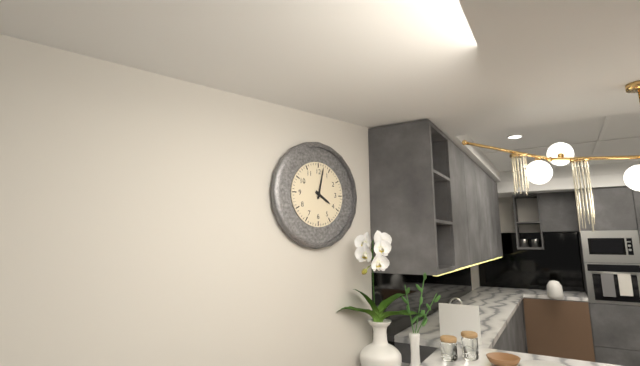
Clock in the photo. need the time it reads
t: 4:02
